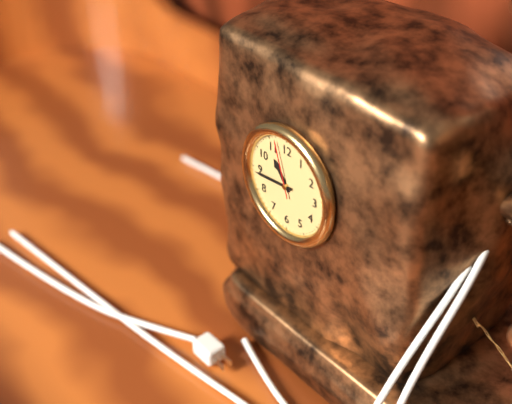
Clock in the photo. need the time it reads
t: 10:44:57
